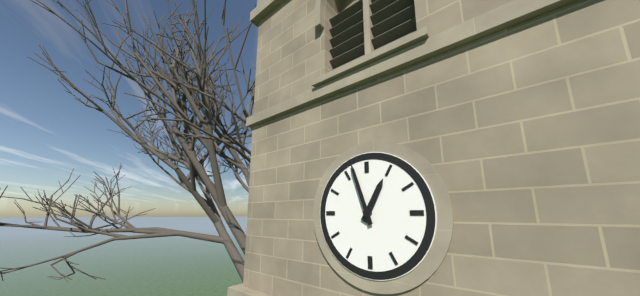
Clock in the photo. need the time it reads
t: 12:57
